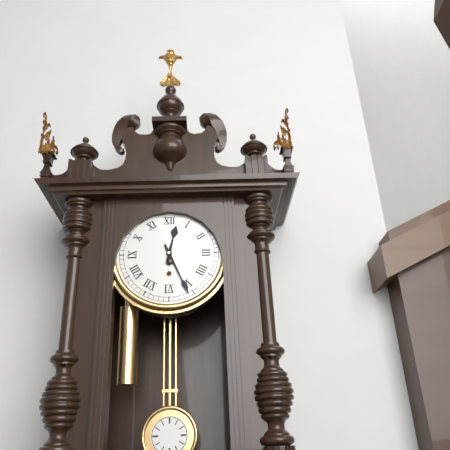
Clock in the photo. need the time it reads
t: 12:26
